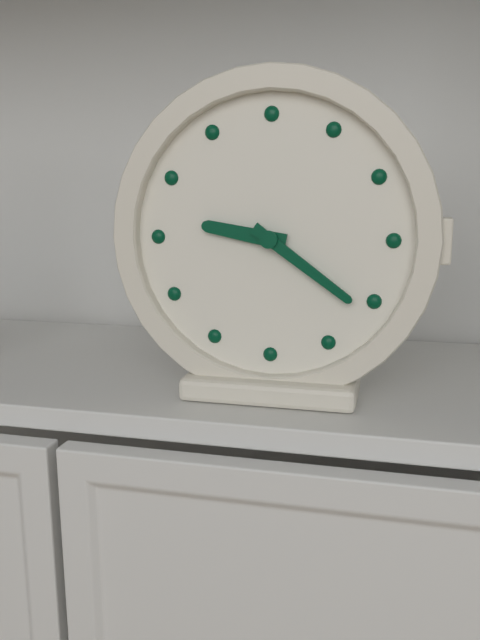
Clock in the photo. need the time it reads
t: 9:21
